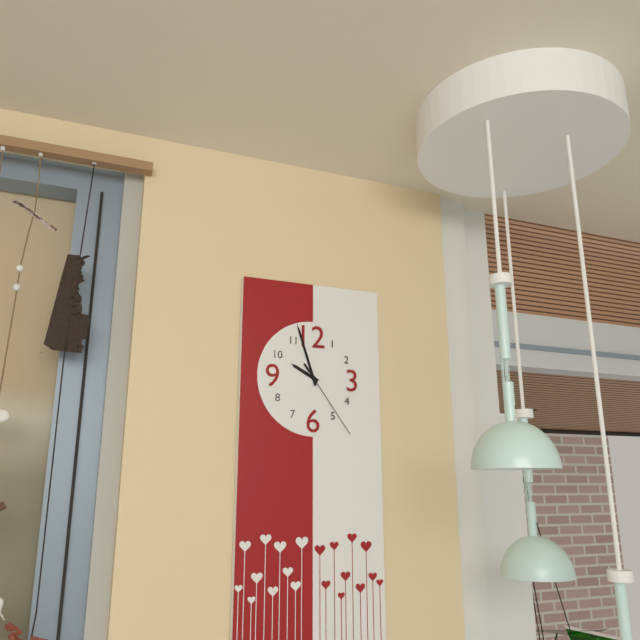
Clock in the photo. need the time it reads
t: 9:57:24
